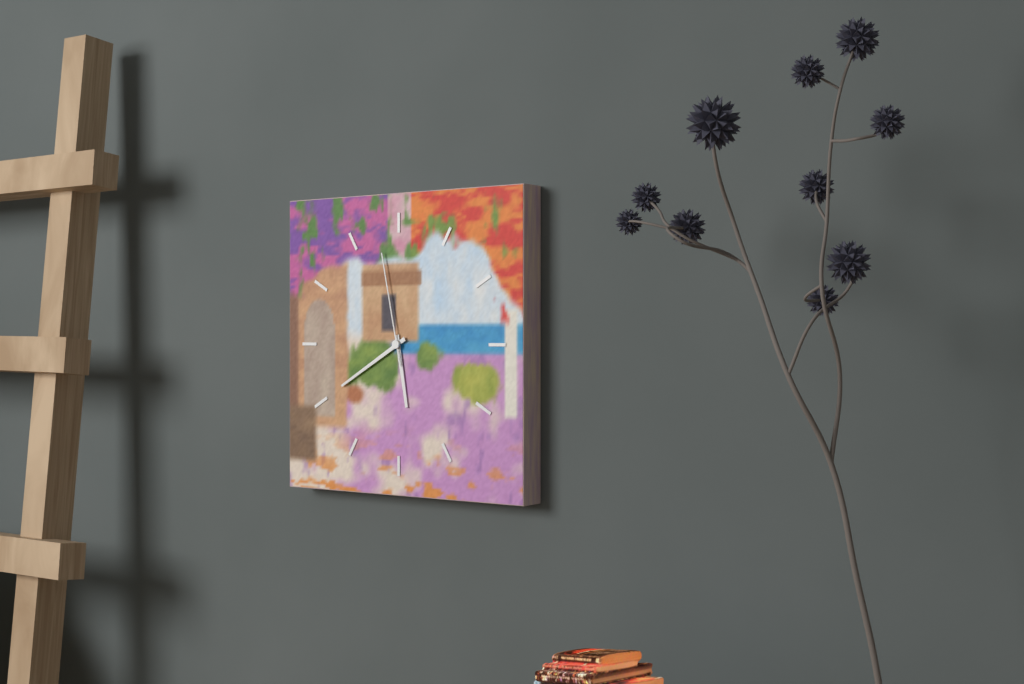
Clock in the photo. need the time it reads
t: 5:40:58
